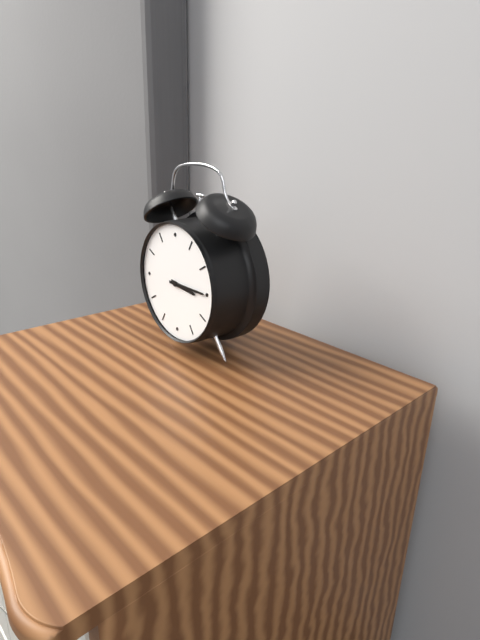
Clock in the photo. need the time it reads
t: 3:15
